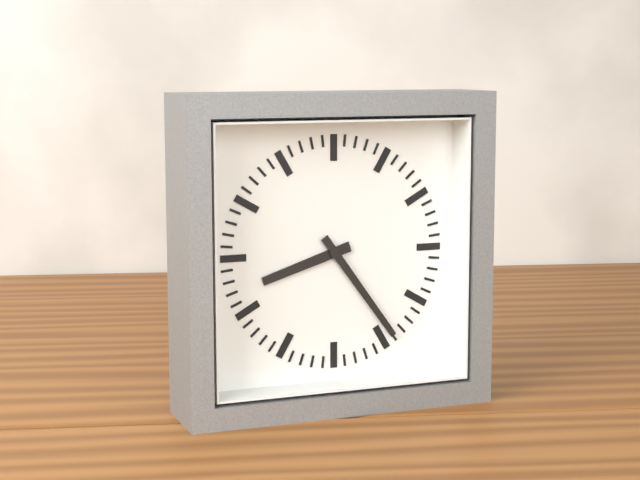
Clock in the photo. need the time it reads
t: 8:24
